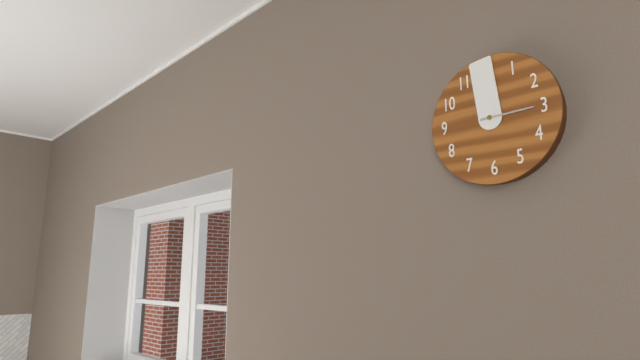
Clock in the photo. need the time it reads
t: 2:59
